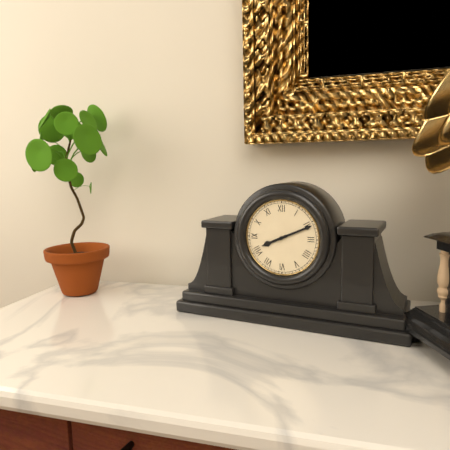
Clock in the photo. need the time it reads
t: 8:11
